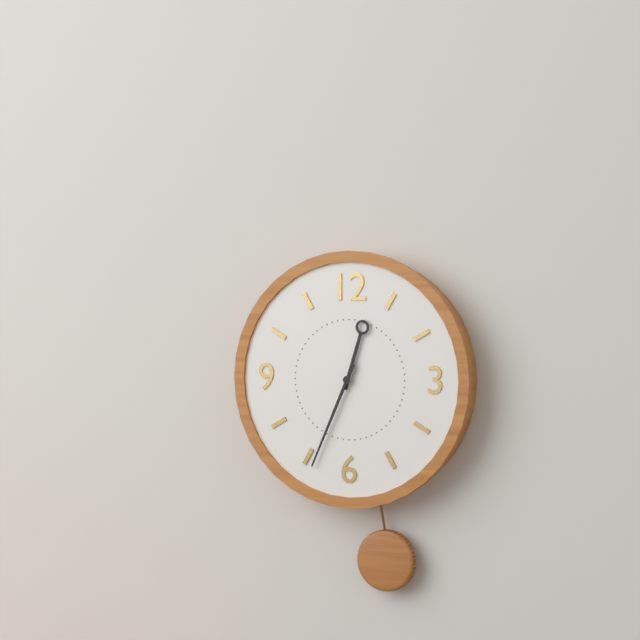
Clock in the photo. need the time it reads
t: 12:34
